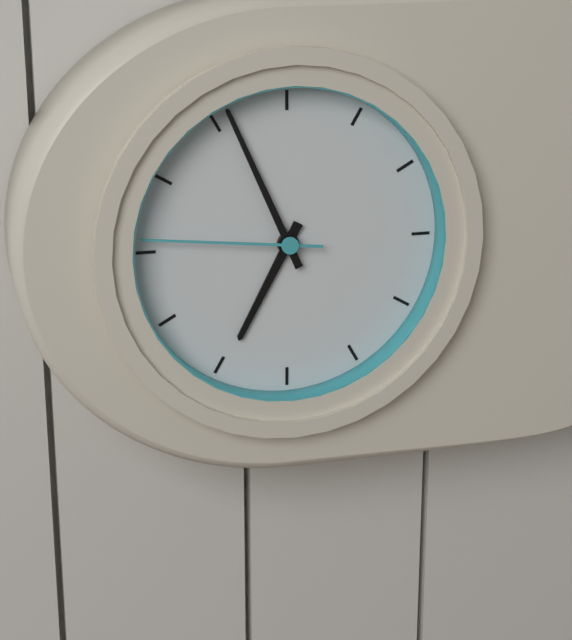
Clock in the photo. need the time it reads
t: 6:56:46
